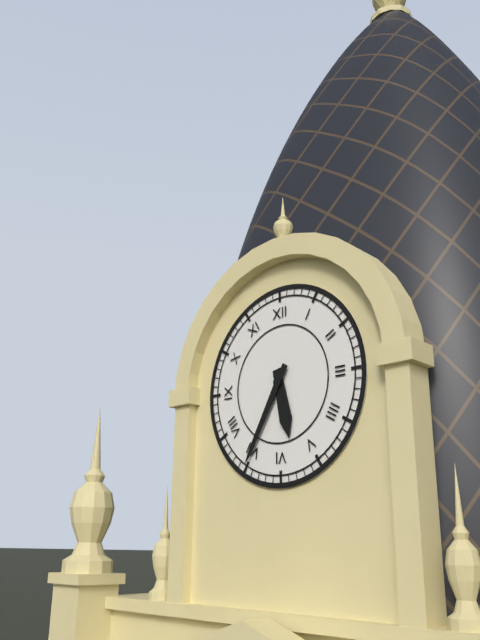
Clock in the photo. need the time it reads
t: 5:35
